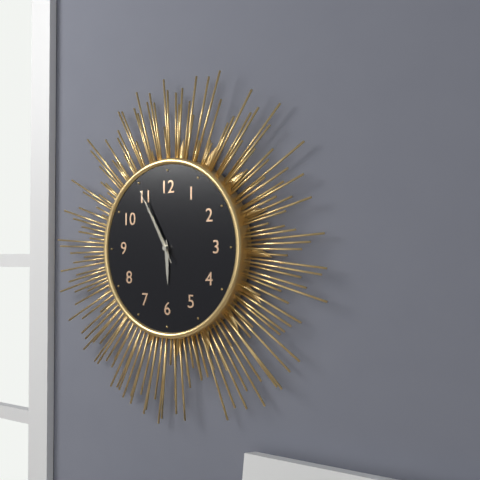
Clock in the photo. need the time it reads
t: 5:55:55
